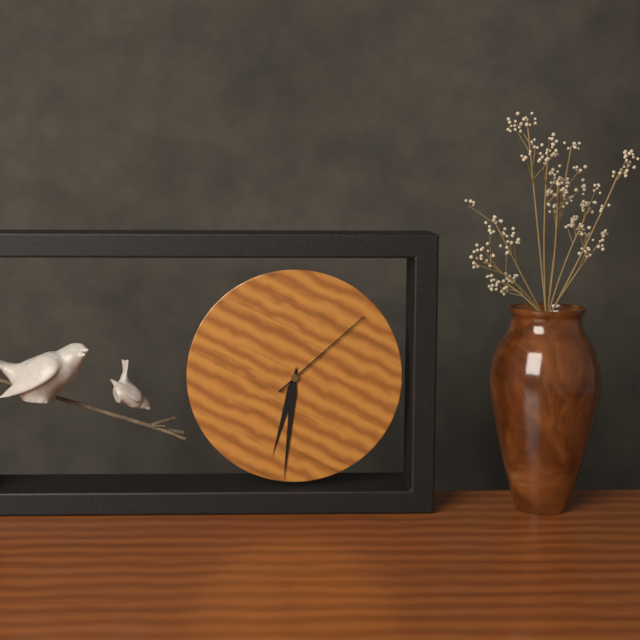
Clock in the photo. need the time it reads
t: 6:31:08
